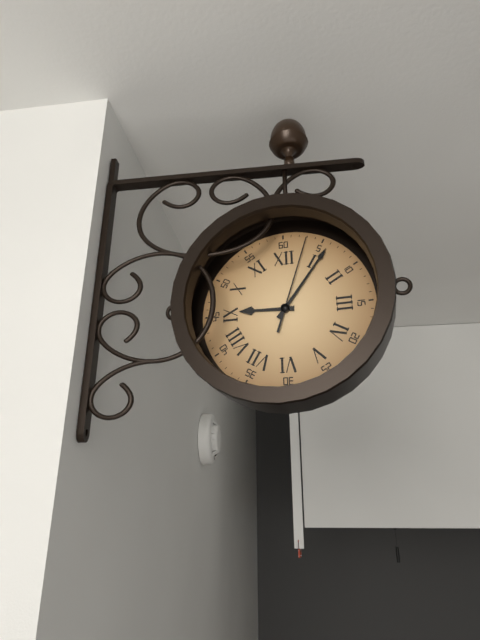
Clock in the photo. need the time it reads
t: 9:06:03
